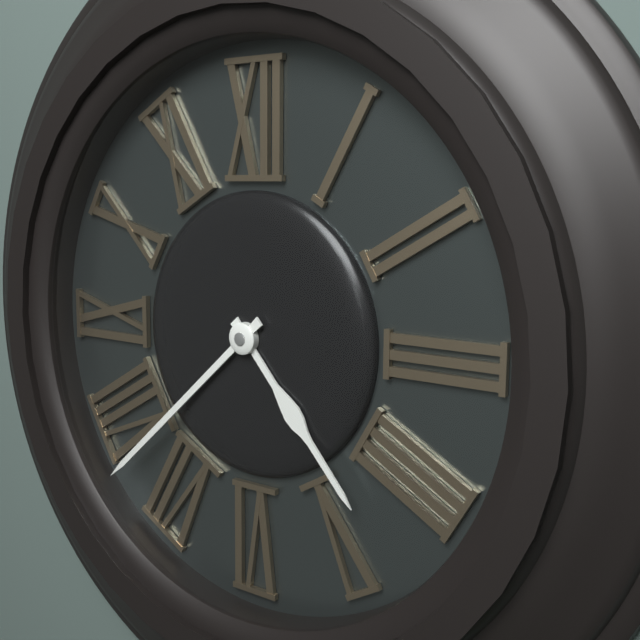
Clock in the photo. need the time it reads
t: 4:38
